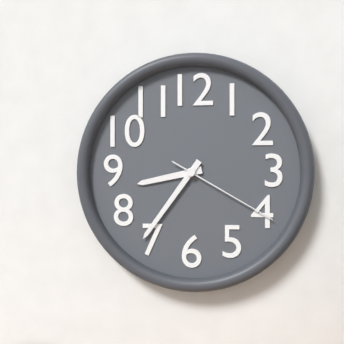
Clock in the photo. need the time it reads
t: 8:36:20
